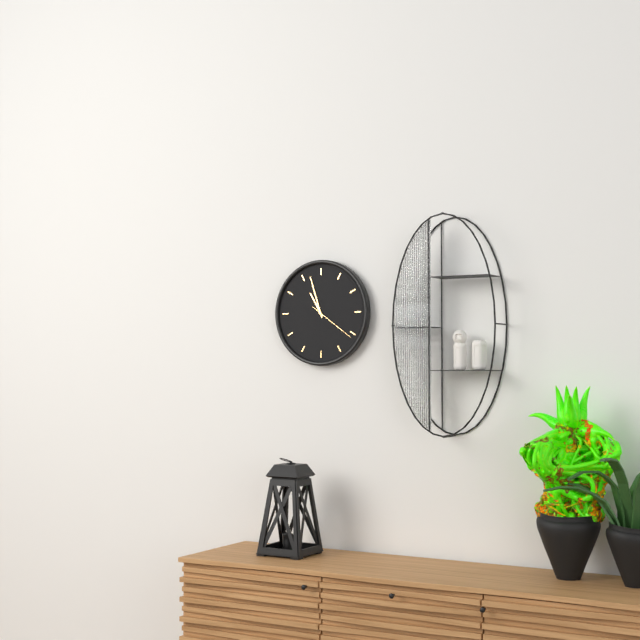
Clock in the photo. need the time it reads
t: 10:57
